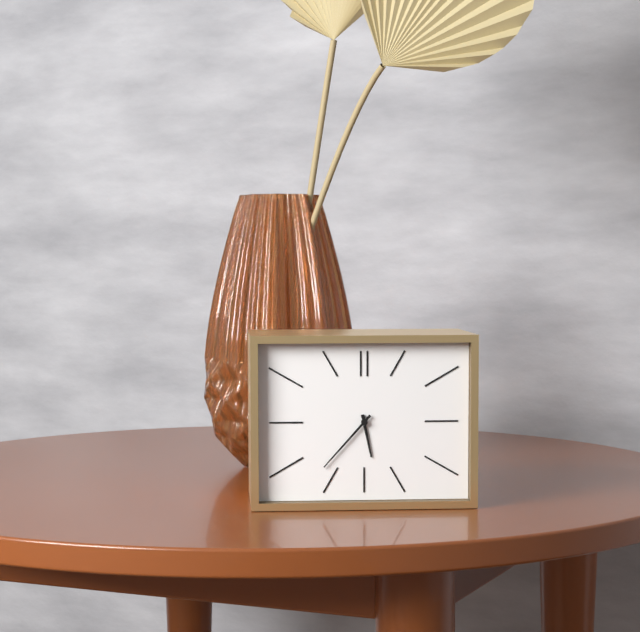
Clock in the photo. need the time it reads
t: 5:37
